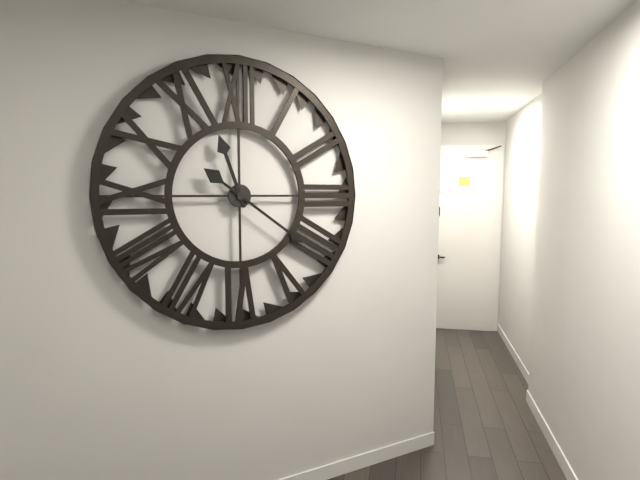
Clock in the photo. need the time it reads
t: 11:21
